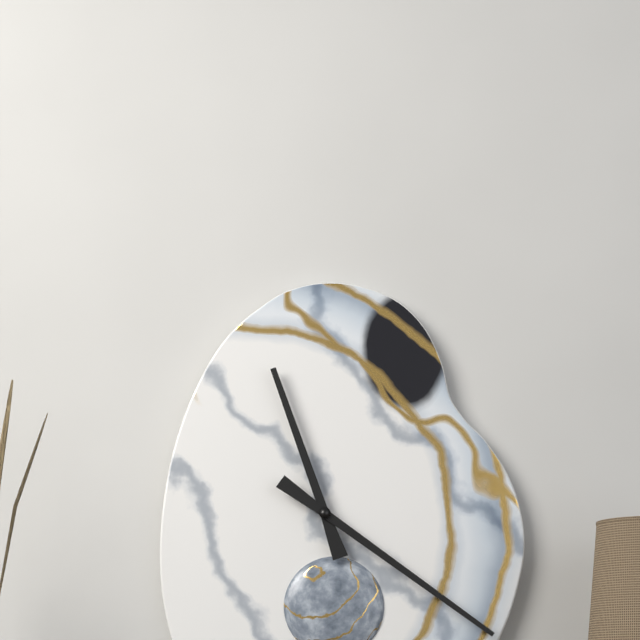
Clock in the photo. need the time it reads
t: 11:21
